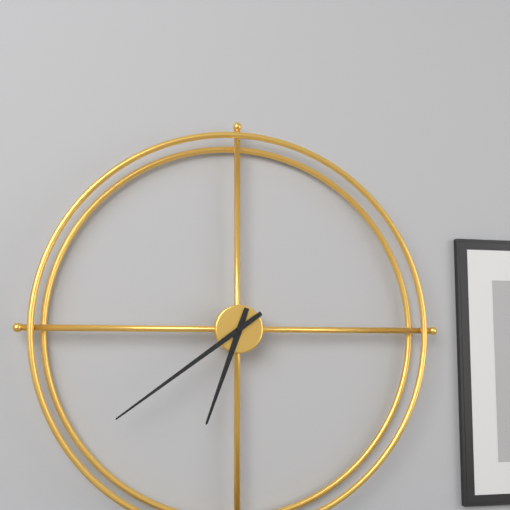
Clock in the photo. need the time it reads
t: 6:39
